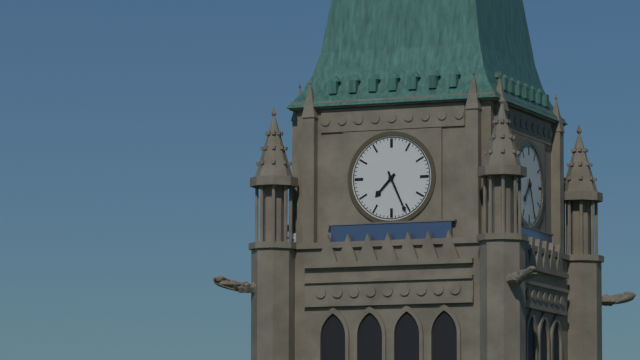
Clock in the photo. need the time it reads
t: 7:26
